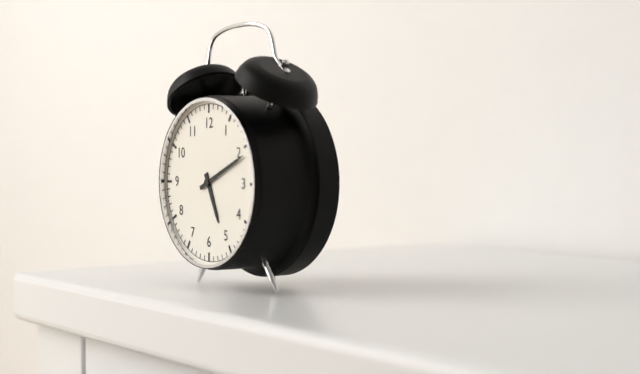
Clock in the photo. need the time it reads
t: 5:11
